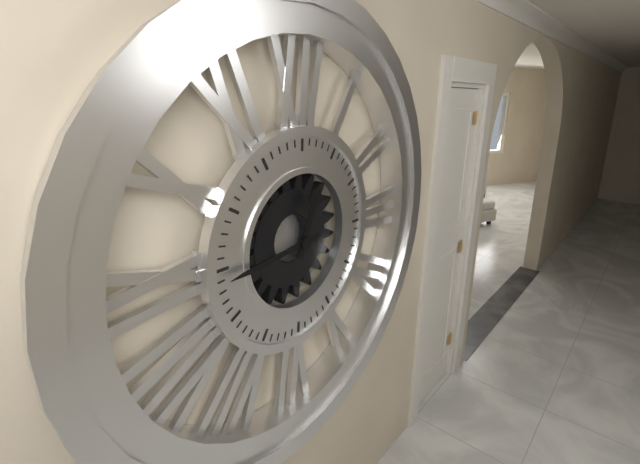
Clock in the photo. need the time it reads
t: 12:44
